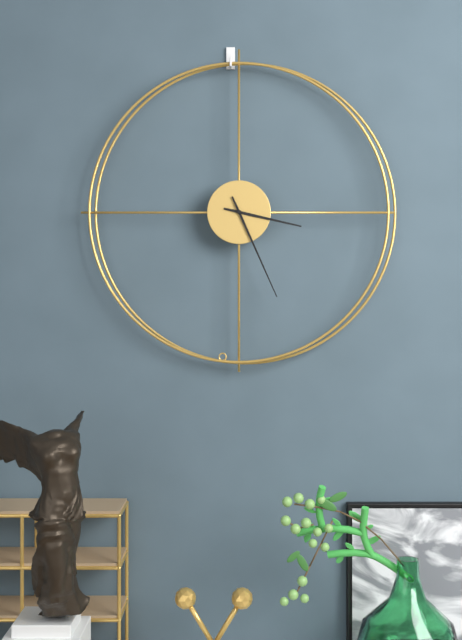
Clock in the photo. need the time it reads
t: 3:26
